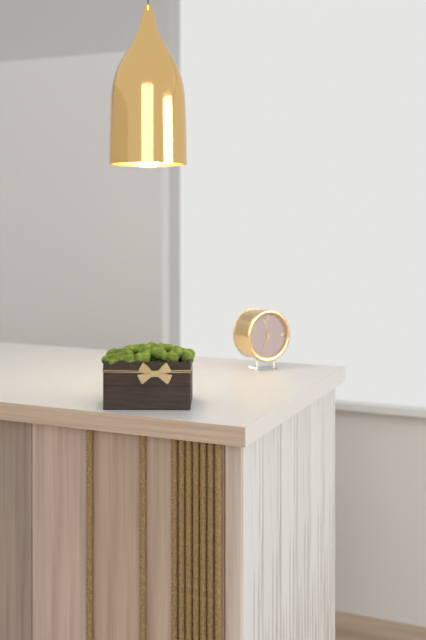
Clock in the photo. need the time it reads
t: 6:57
